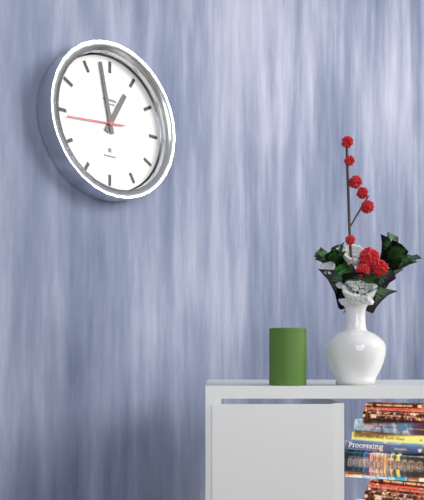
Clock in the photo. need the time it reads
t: 12:58:44
